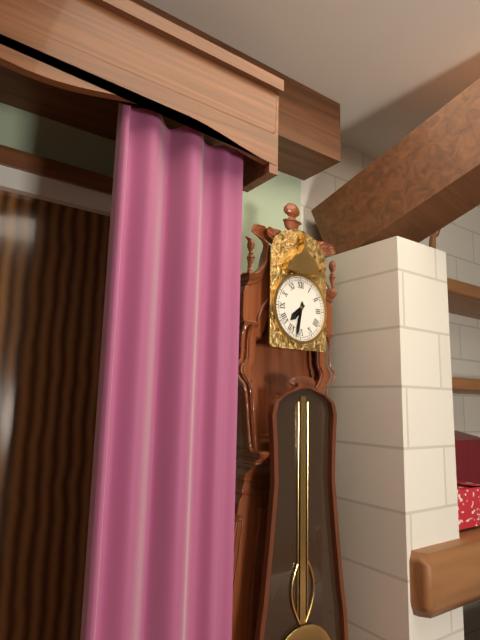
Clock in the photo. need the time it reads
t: 7:32
